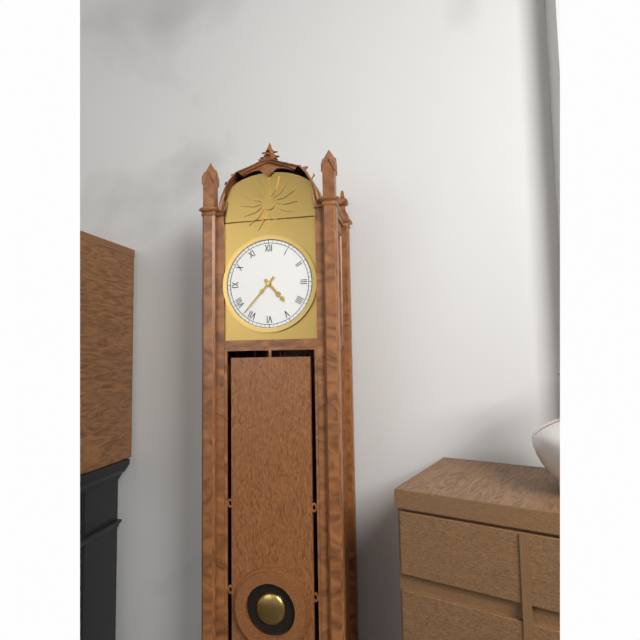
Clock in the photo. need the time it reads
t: 4:37
